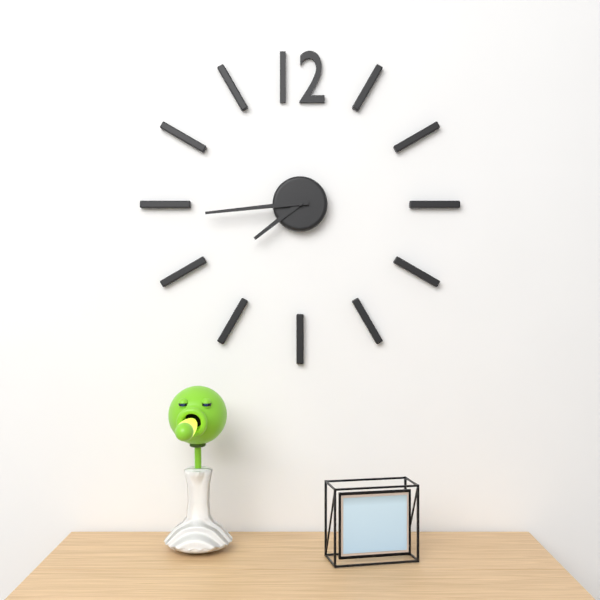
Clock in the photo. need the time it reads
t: 7:44
